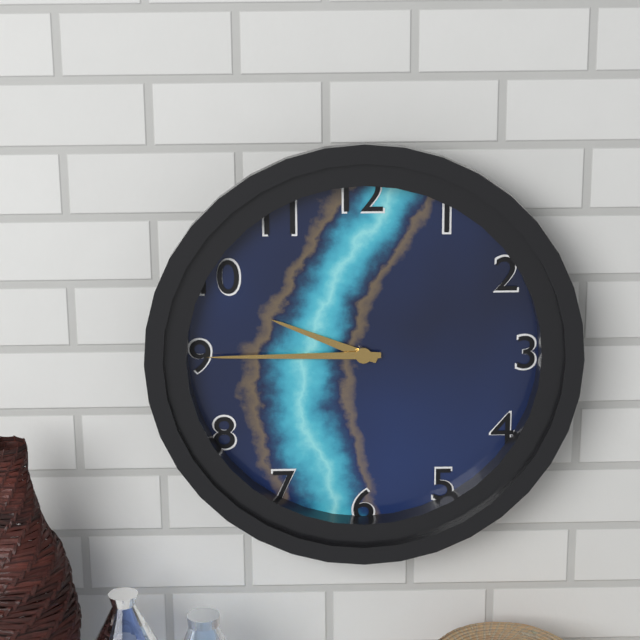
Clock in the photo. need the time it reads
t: 9:45
